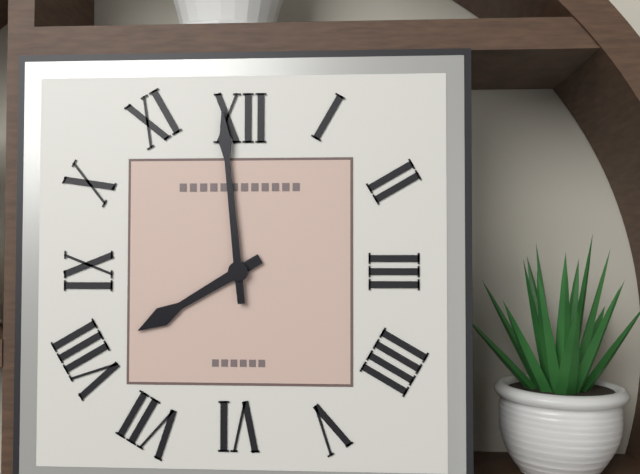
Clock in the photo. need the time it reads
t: 7:59
